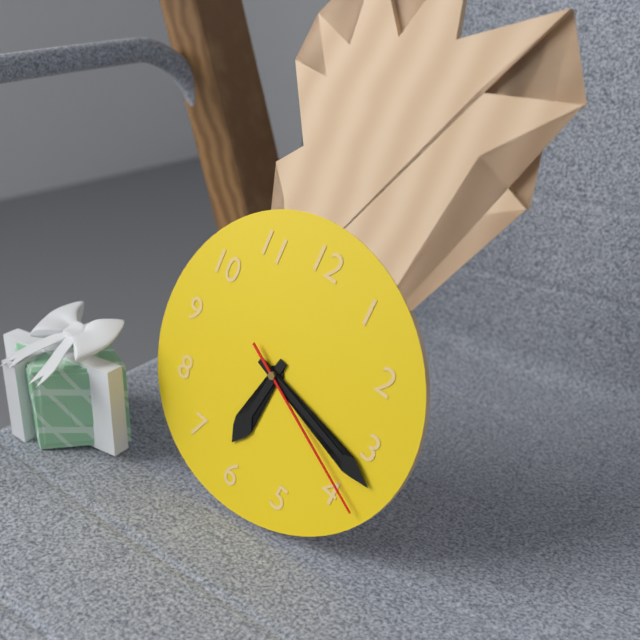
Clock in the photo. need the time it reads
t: 6:17:19
